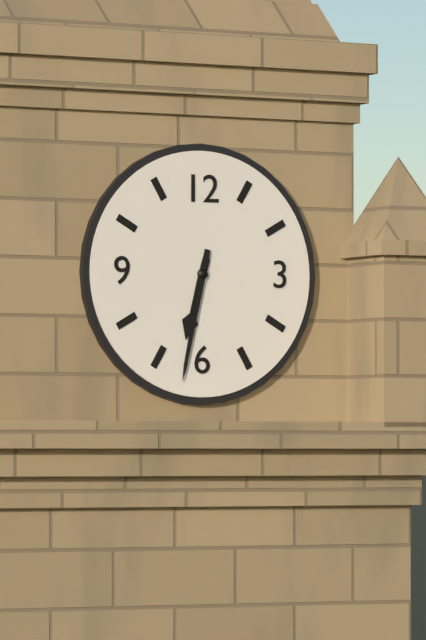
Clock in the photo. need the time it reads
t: 6:32
